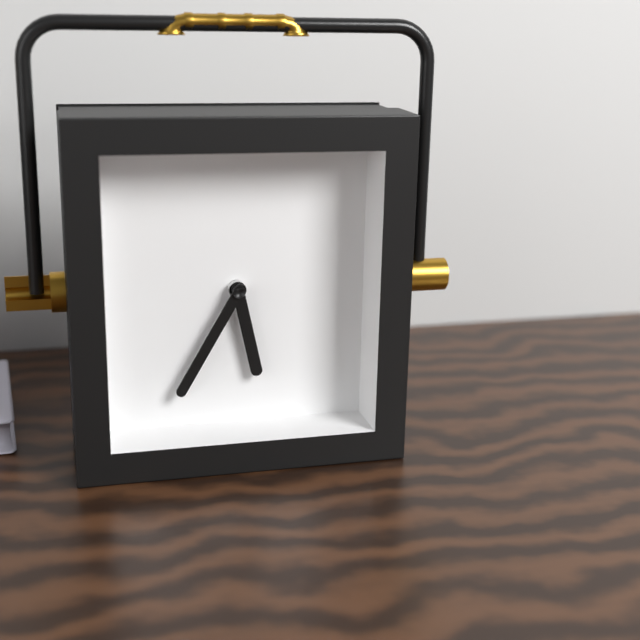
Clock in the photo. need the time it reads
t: 5:35
